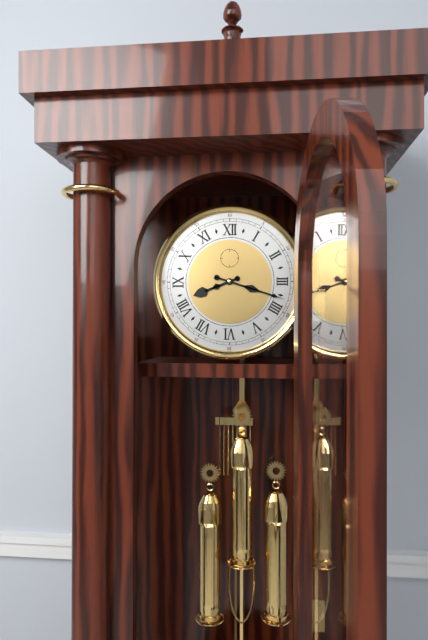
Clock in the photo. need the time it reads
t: 8:18
